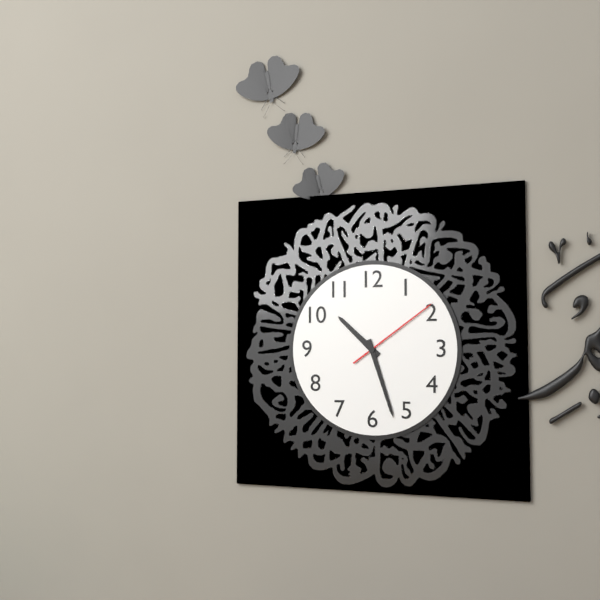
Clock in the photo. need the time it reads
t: 10:27:09
